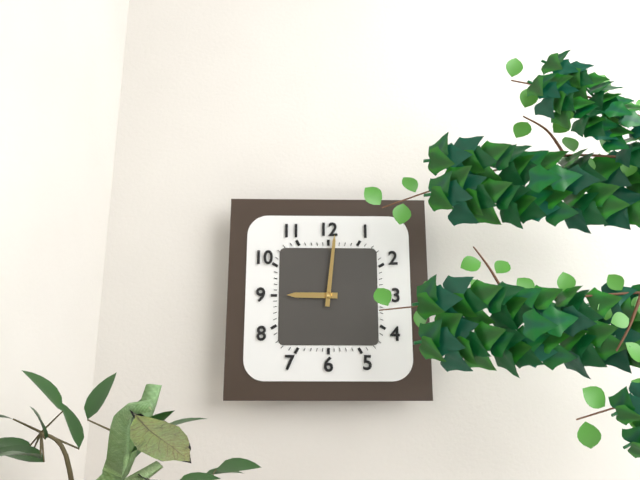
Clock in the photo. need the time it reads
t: 9:01
